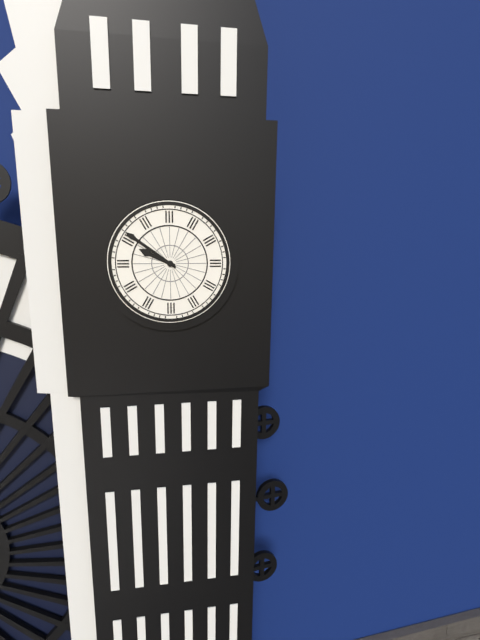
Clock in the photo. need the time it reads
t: 9:51
